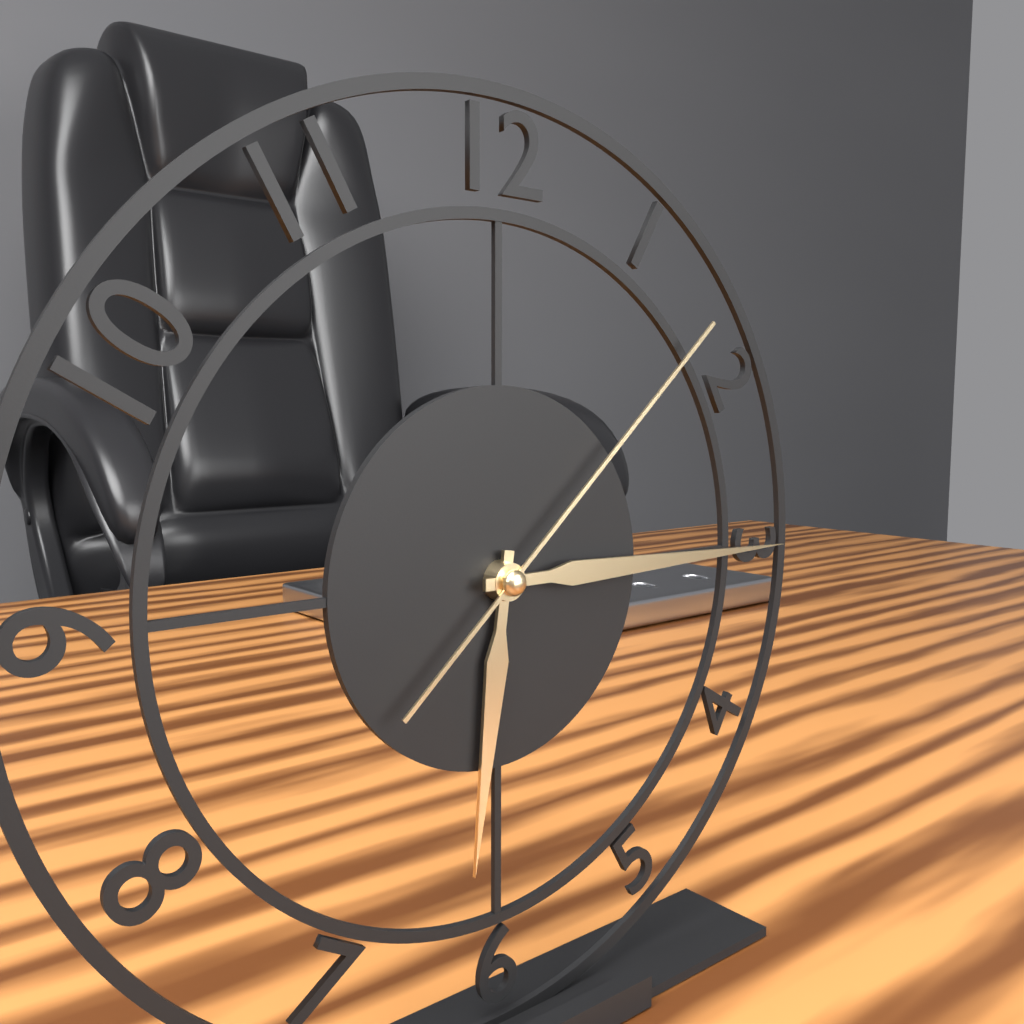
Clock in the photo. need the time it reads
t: 6:15:08
